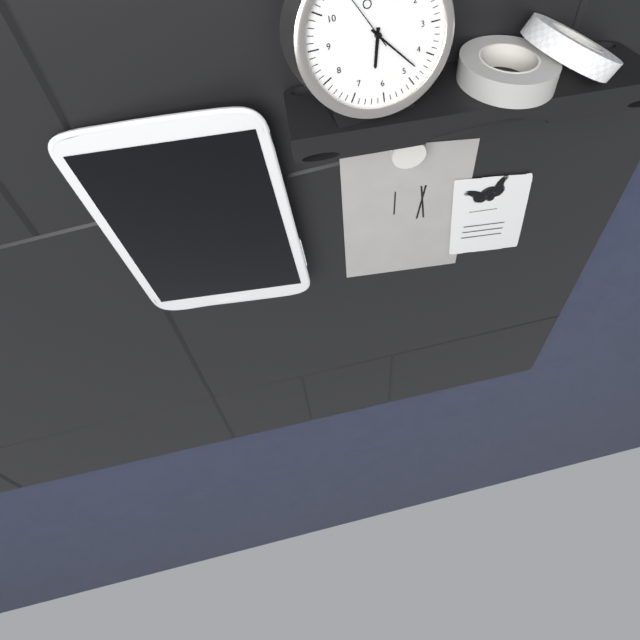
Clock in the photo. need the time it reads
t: 6:23
